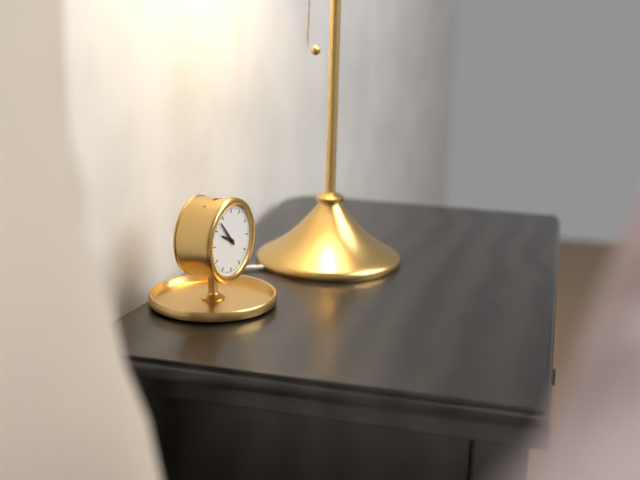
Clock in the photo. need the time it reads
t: 9:53
